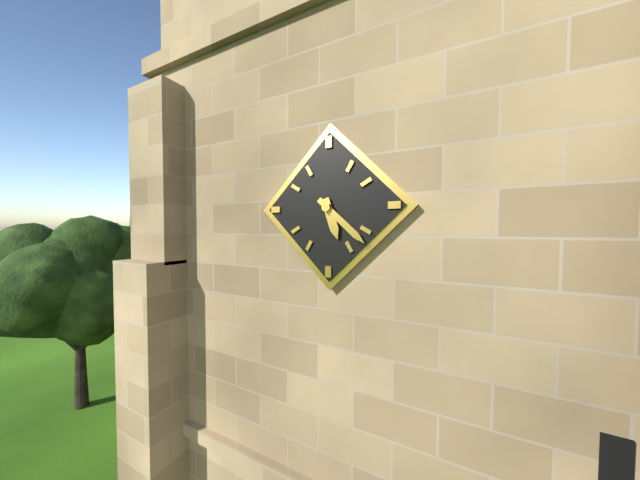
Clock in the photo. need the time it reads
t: 5:22
